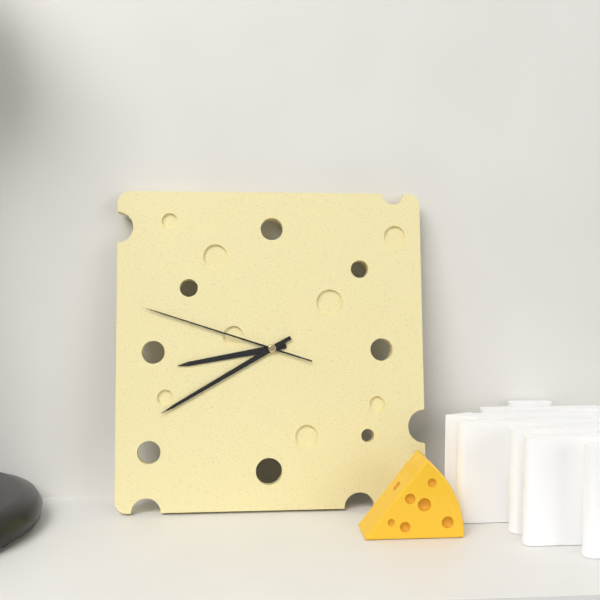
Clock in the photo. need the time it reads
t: 8:40:48
